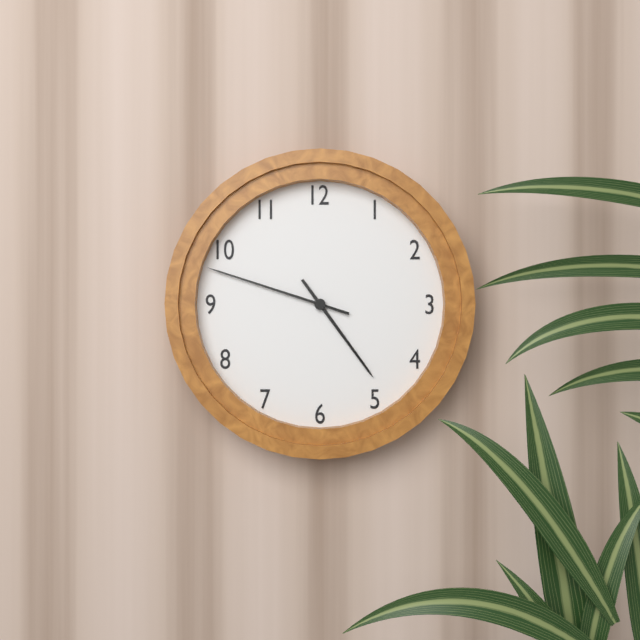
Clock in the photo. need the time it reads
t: 4:48
